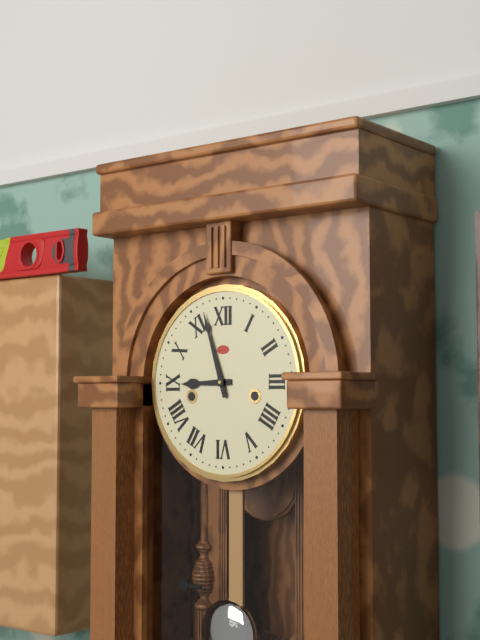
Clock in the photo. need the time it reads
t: 8:57
